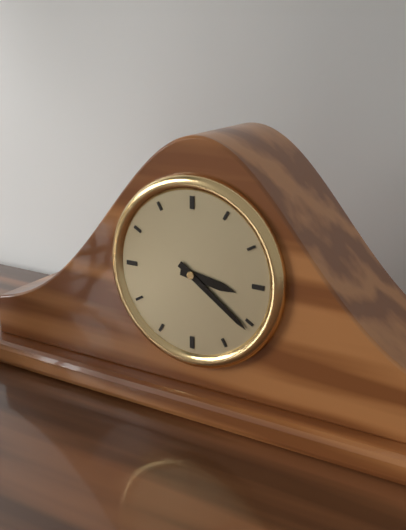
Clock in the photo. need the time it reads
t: 3:21
